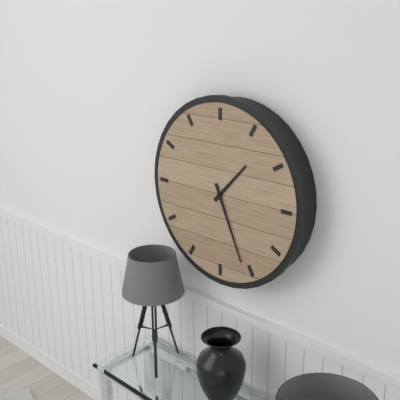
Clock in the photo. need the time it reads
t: 1:26
